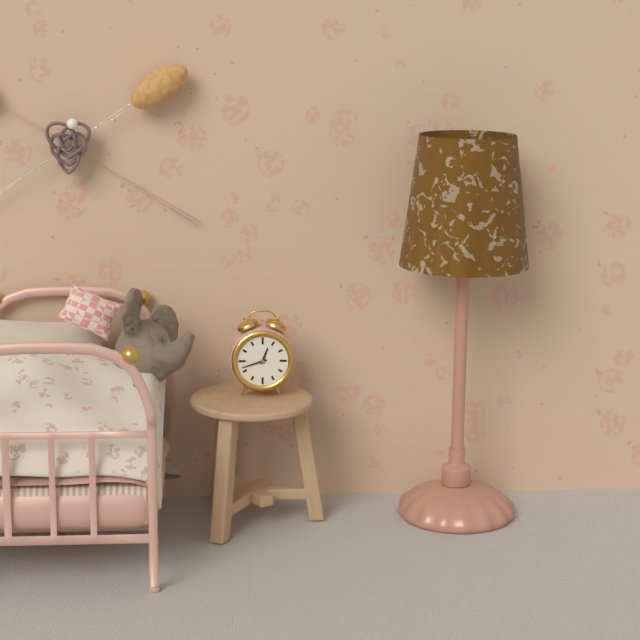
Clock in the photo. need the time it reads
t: 12:42
